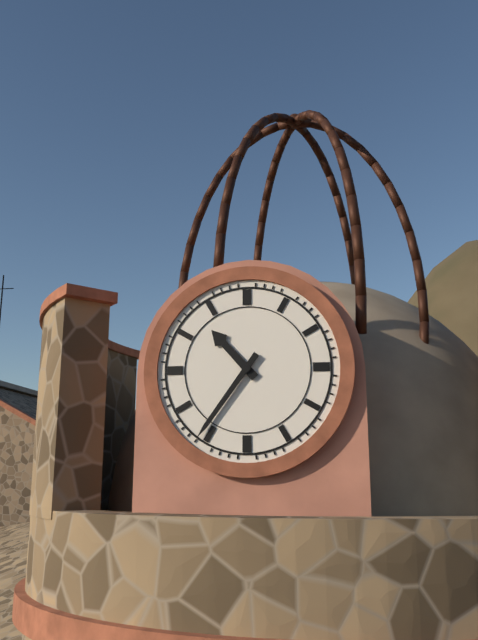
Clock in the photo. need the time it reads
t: 10:36
